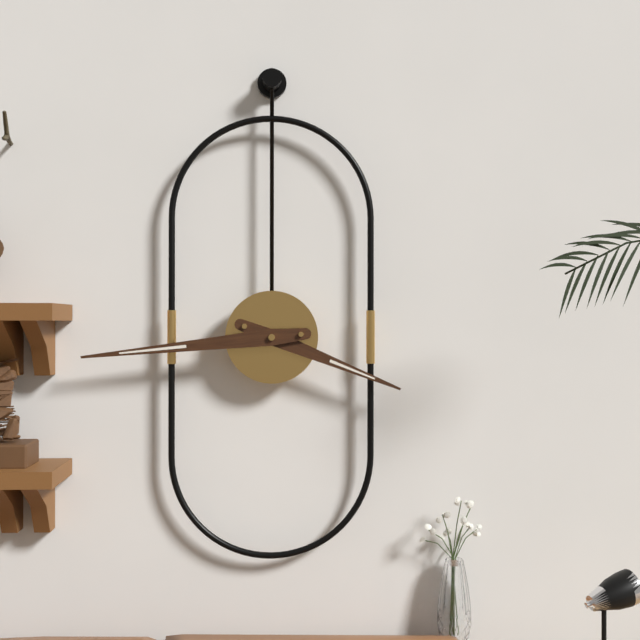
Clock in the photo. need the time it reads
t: 3:44
